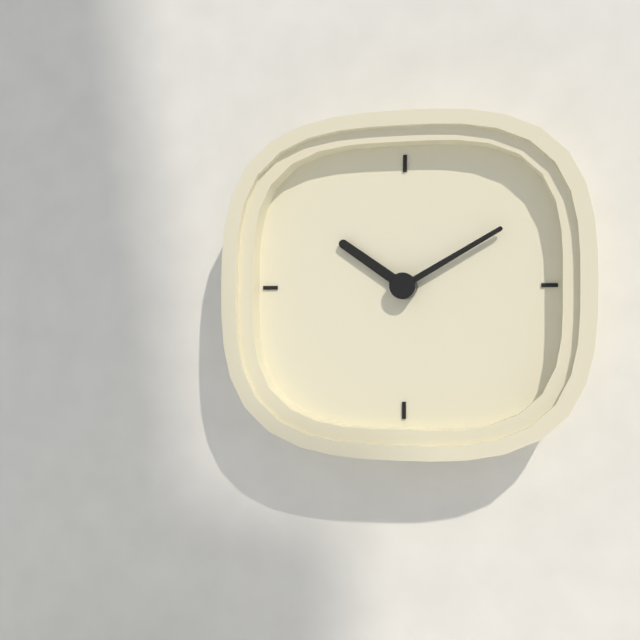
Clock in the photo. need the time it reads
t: 10:10
